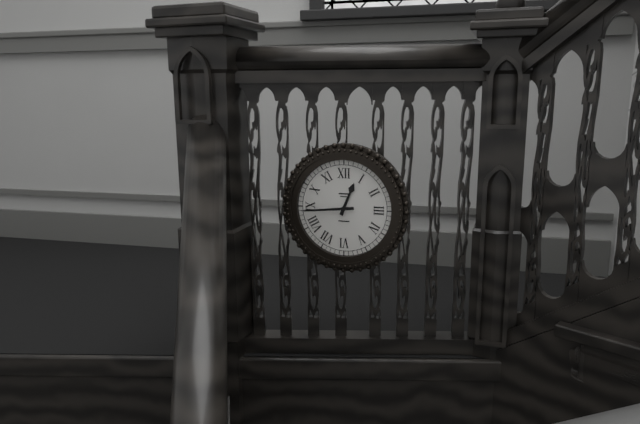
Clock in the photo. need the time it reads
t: 12:44
